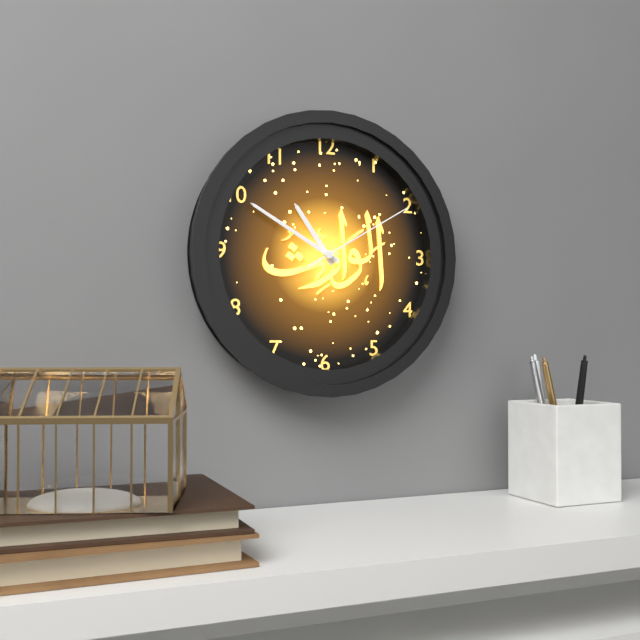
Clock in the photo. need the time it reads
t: 10:50:10
